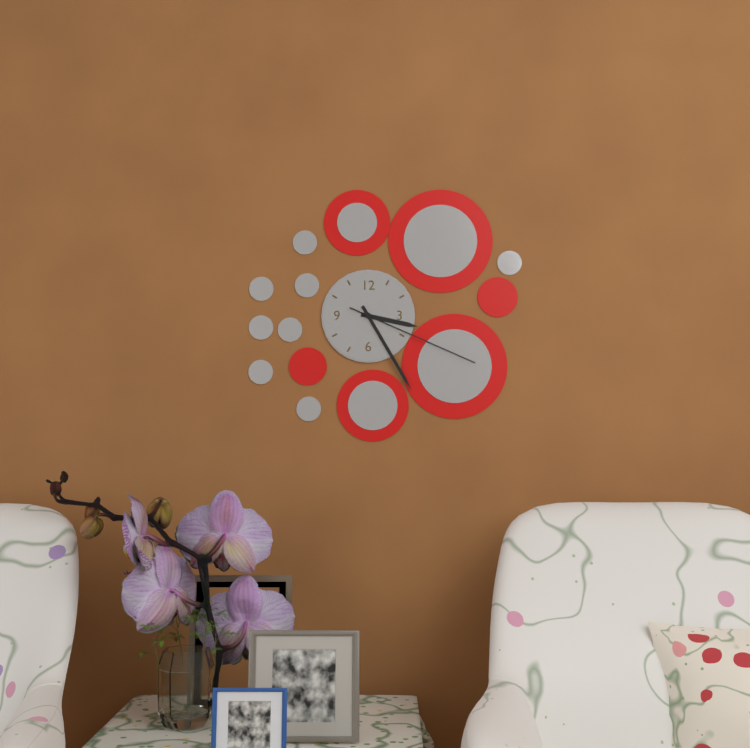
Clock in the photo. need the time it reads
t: 3:25:19
